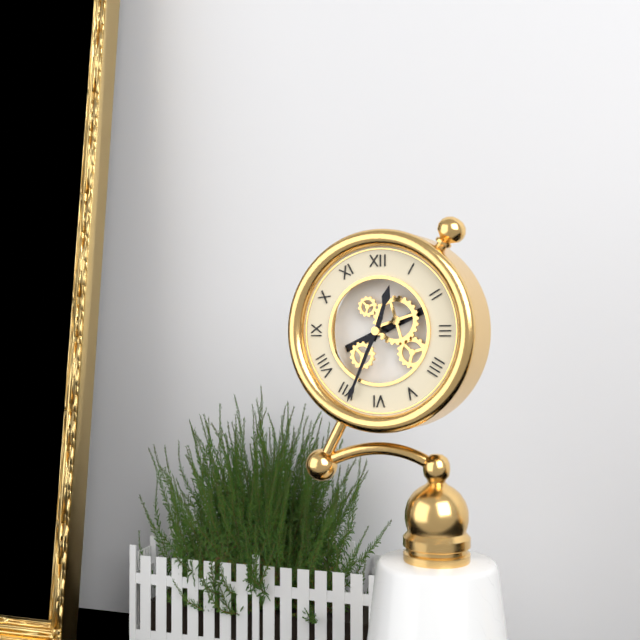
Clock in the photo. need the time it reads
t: 12:34
